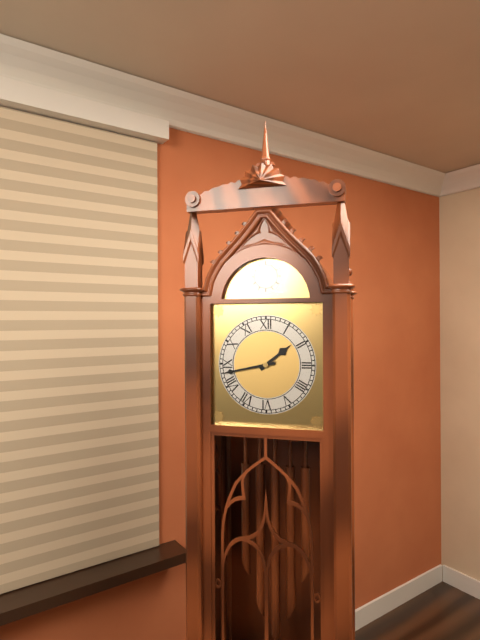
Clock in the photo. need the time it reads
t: 1:43
